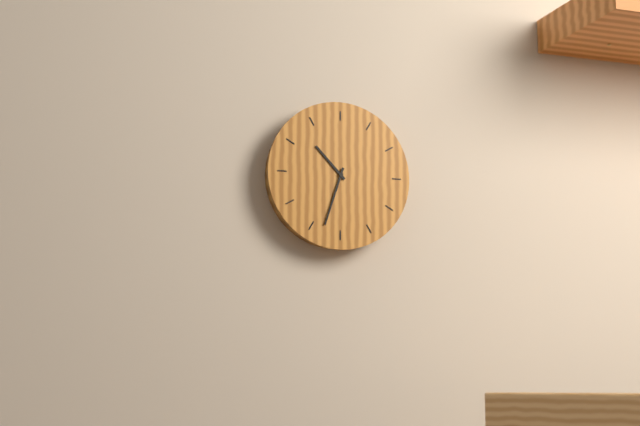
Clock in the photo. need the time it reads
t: 10:33
